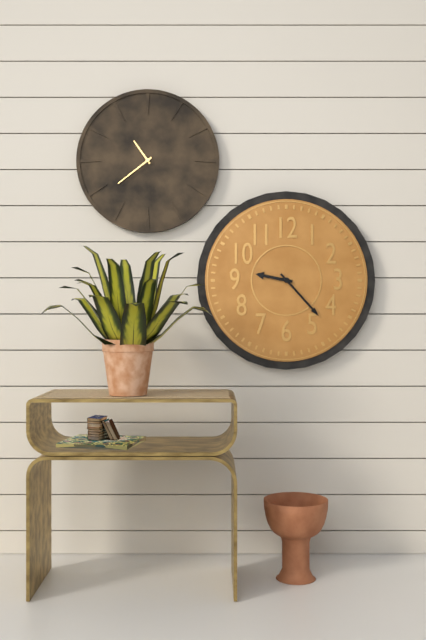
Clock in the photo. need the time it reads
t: 9:23
